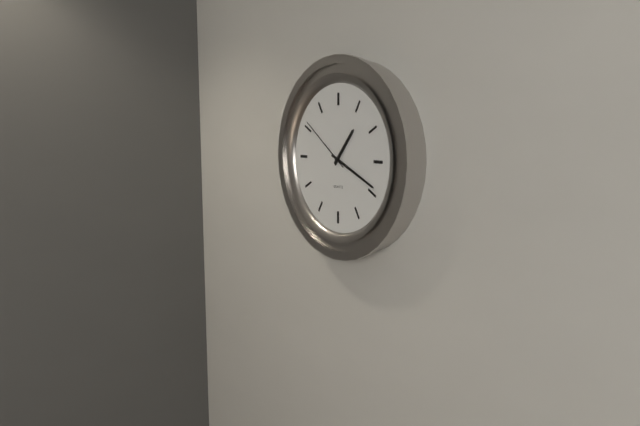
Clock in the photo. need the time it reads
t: 1:19:51
